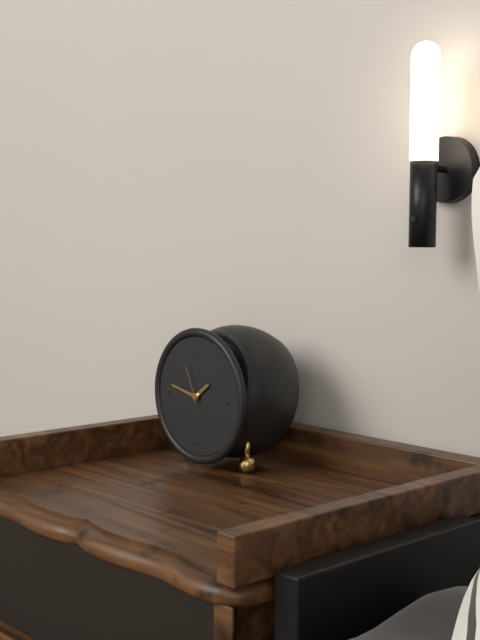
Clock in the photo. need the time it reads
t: 1:47
